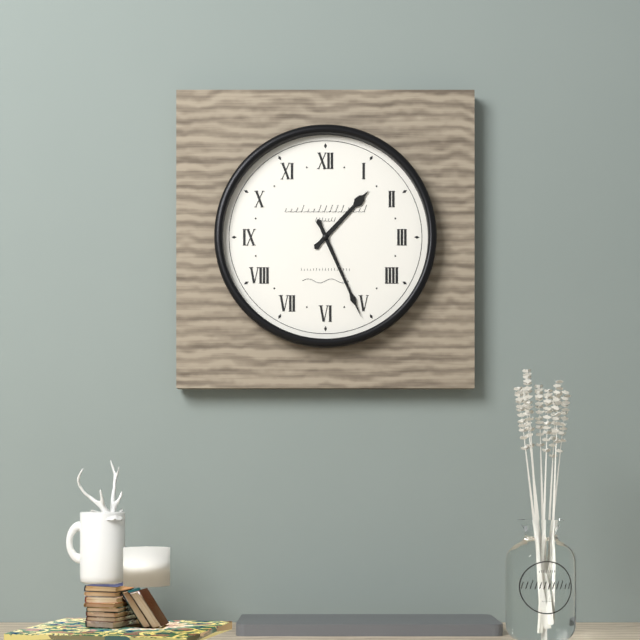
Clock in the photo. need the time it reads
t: 1:26
